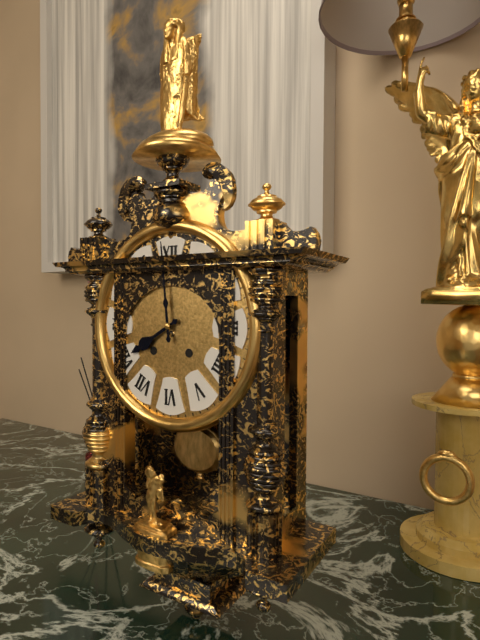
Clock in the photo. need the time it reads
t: 7:59
